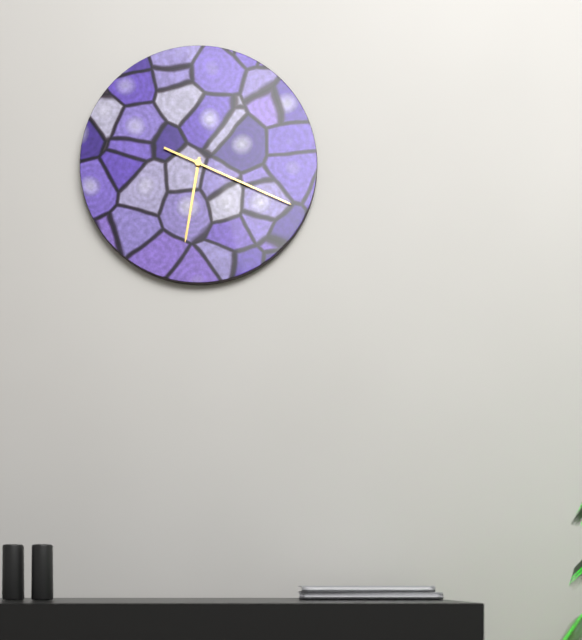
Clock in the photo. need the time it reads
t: 6:19
